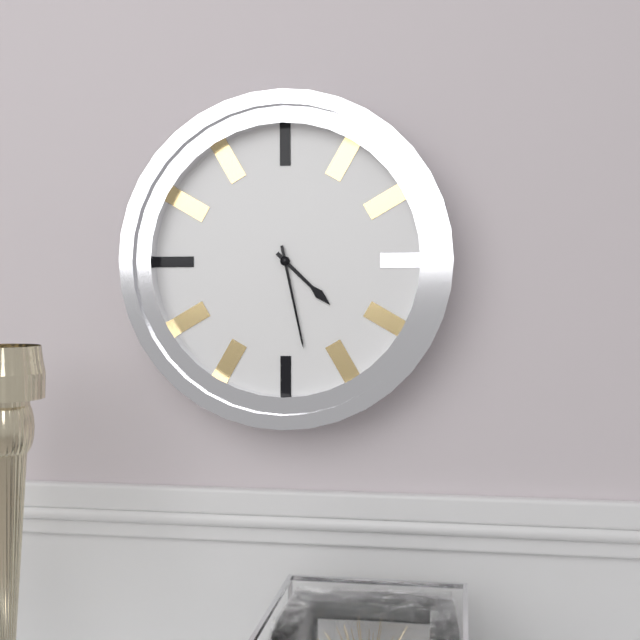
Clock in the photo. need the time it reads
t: 4:28
